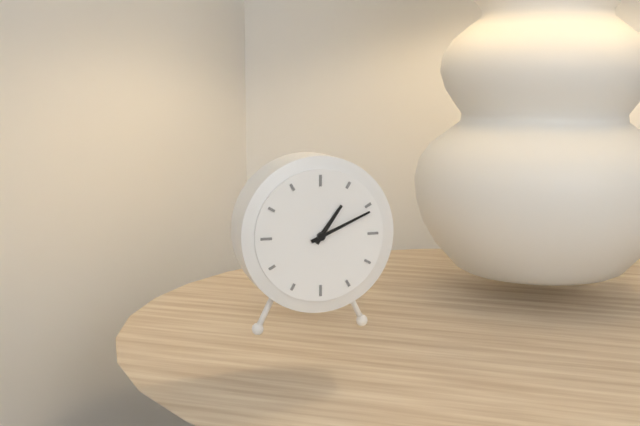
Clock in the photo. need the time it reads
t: 1:11
